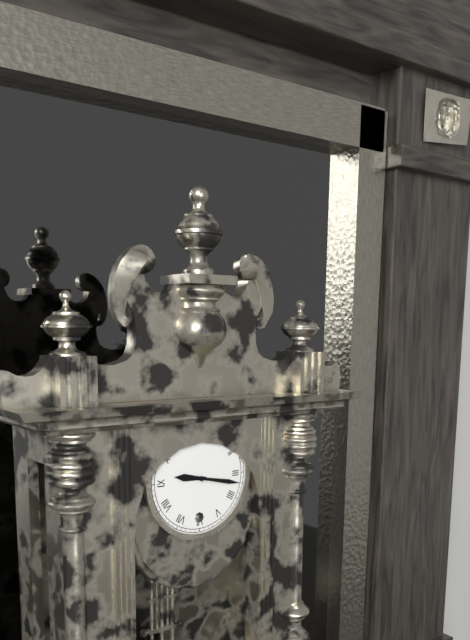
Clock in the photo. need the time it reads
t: 9:17
